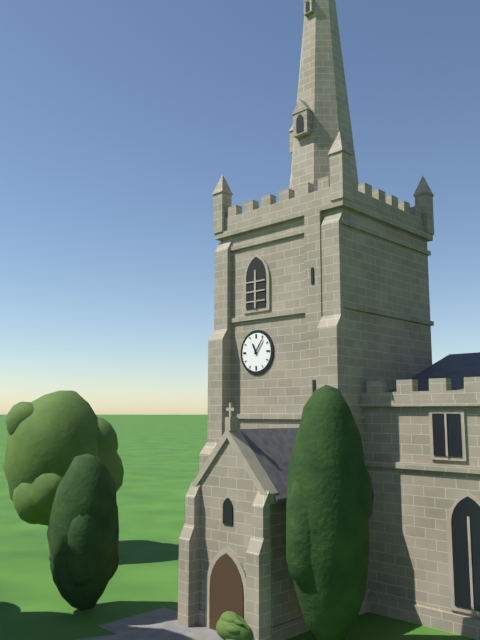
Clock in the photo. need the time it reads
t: 11:06
